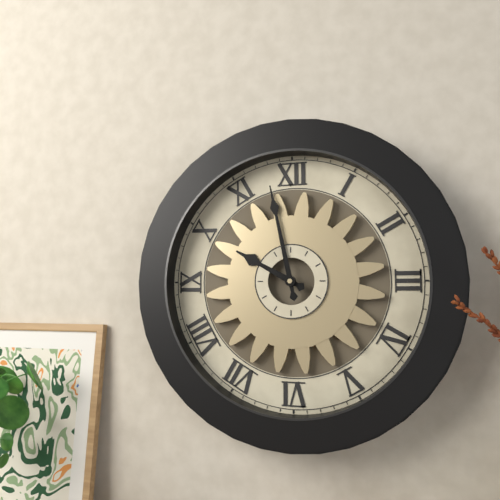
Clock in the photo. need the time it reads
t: 9:58
